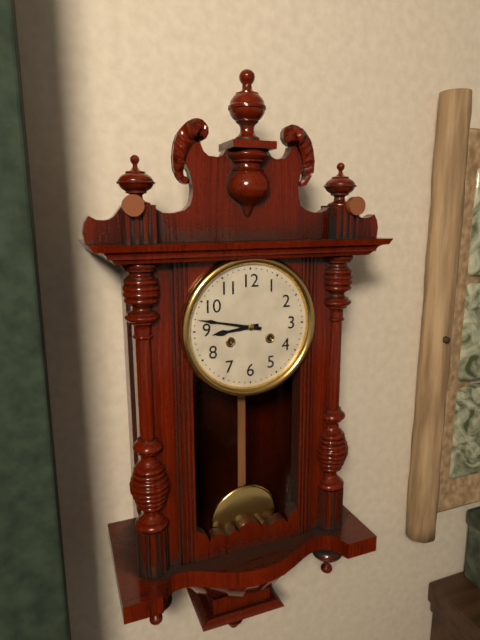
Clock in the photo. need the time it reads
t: 8:47
